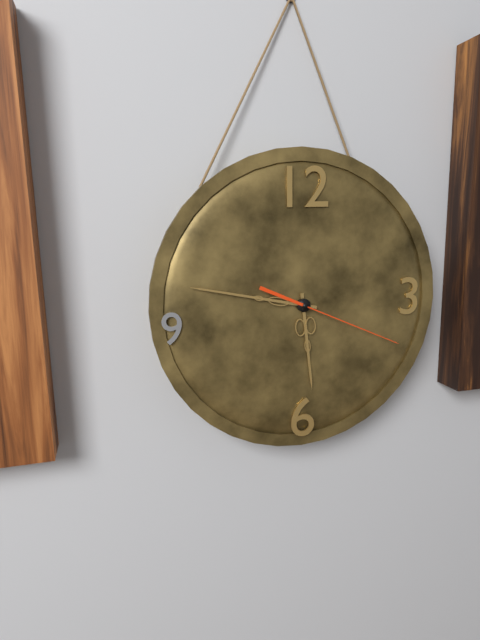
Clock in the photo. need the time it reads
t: 5:47:19
